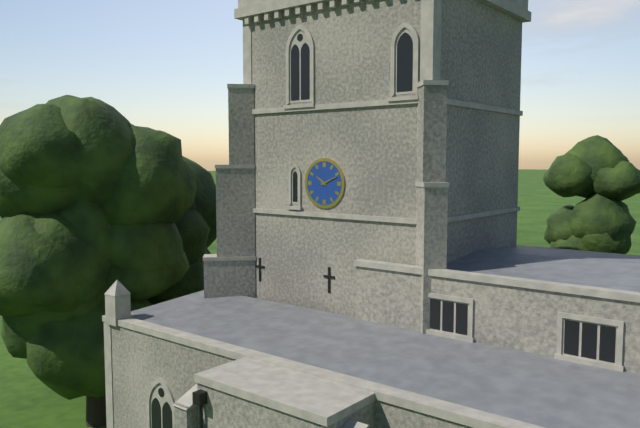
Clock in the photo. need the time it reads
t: 10:11
